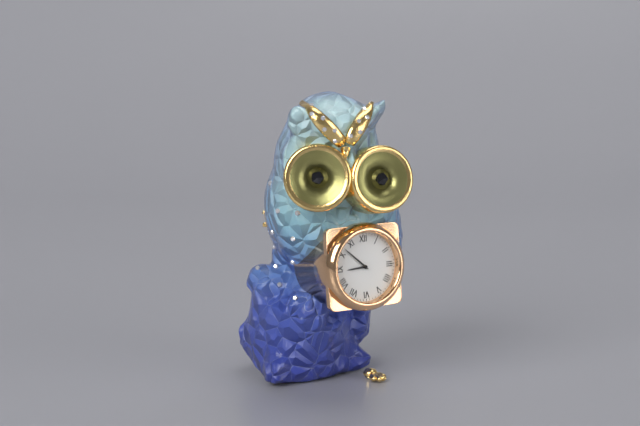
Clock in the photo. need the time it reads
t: 8:52
